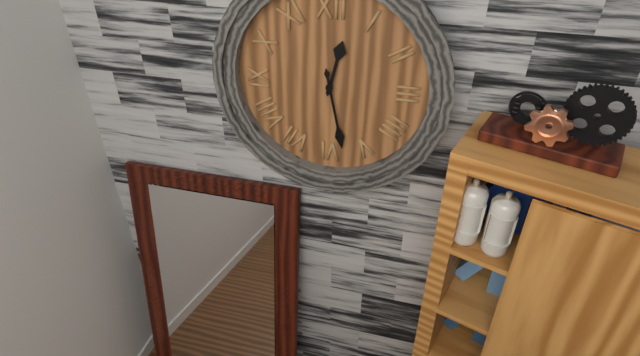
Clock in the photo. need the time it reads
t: 12:28
